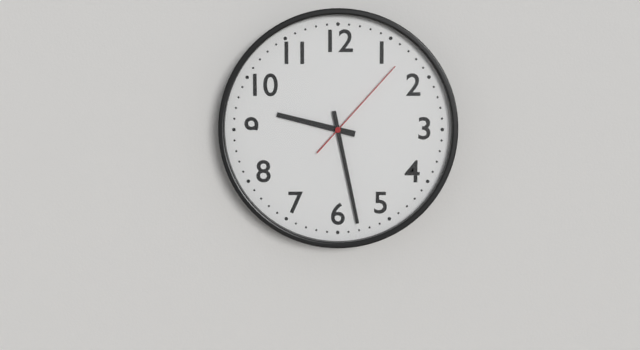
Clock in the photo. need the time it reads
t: 9:28:07
